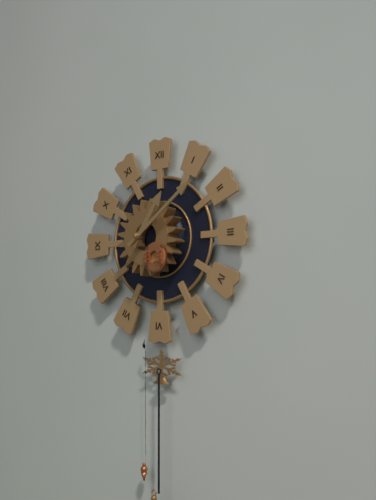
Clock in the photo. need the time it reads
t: 1:09
